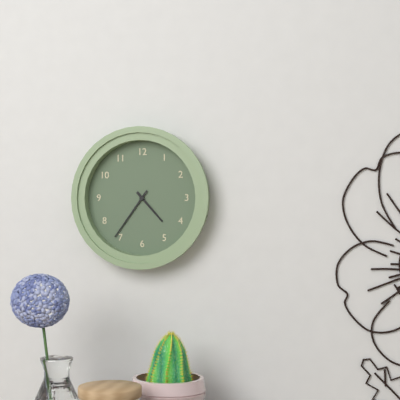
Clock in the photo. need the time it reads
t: 4:36
